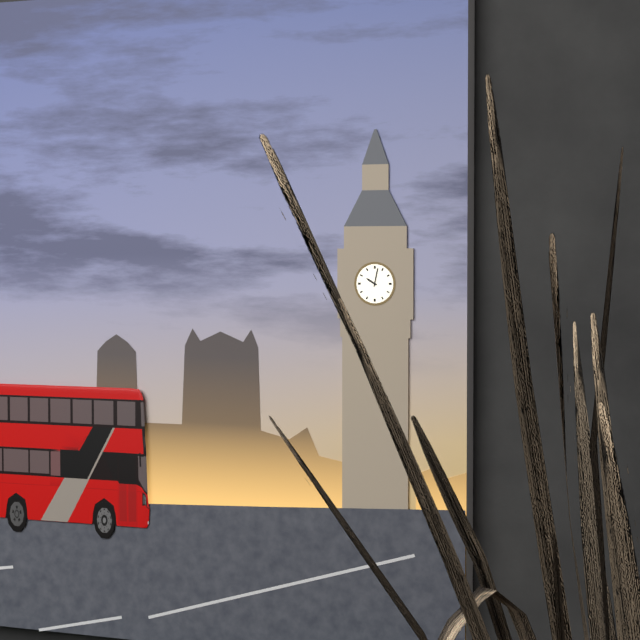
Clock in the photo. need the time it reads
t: 10:02
